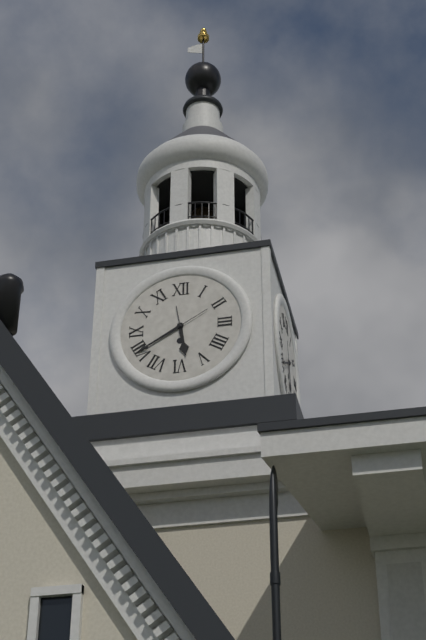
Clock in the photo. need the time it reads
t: 5:40
